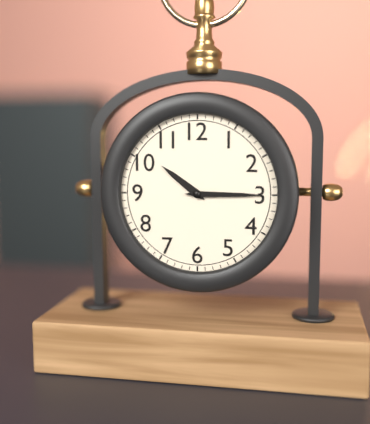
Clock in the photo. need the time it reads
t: 10:15
